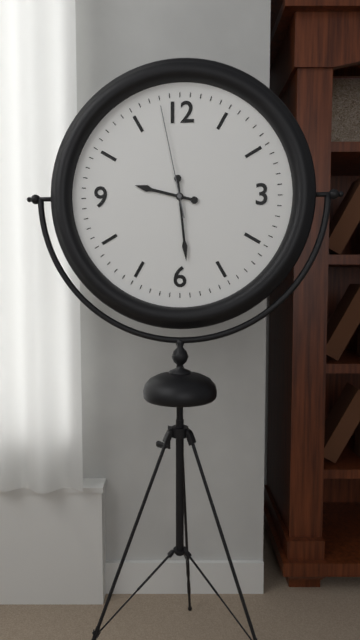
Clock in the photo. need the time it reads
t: 9:29:58
